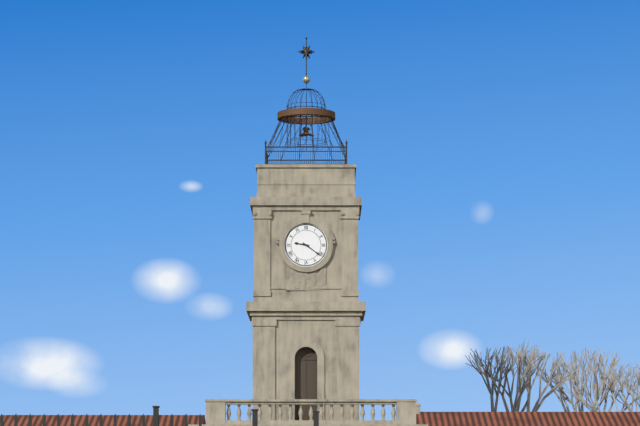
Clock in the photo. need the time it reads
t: 9:21
